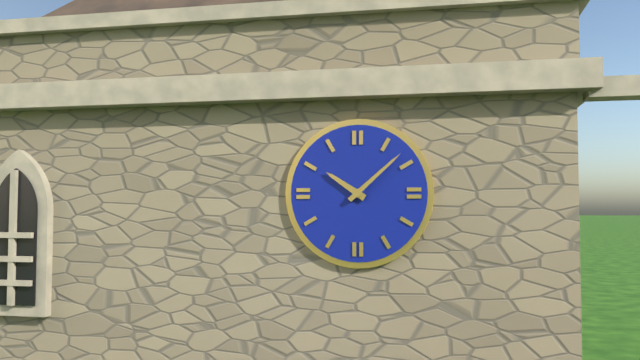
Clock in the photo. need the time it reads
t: 10:08
